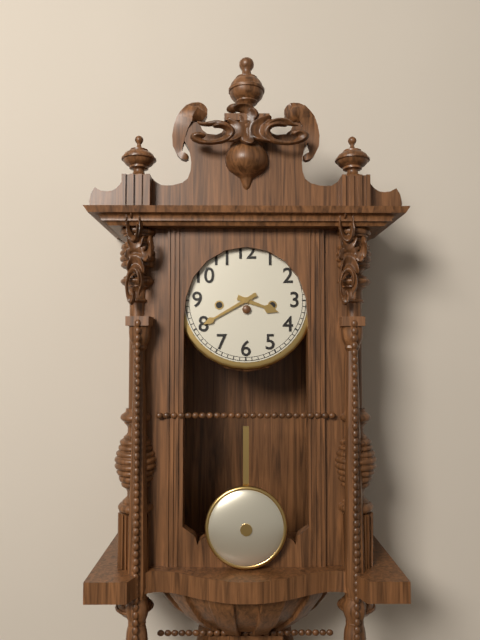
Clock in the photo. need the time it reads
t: 3:40
